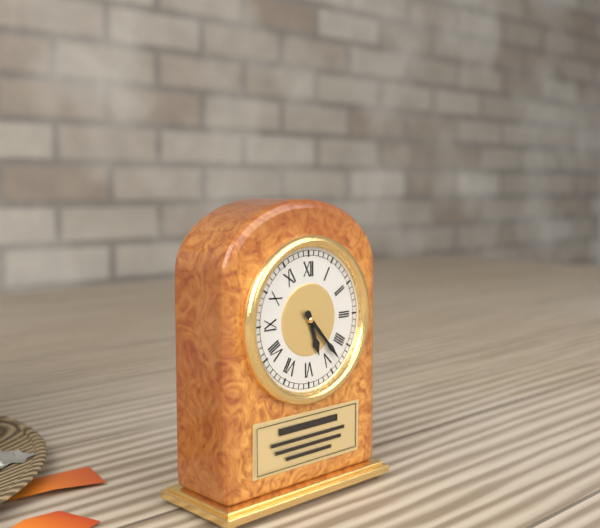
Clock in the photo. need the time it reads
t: 5:23
